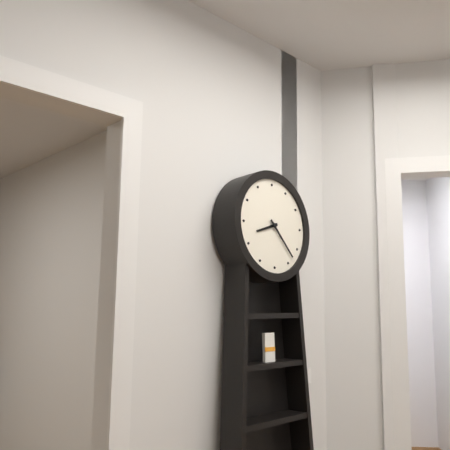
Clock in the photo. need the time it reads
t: 8:23
